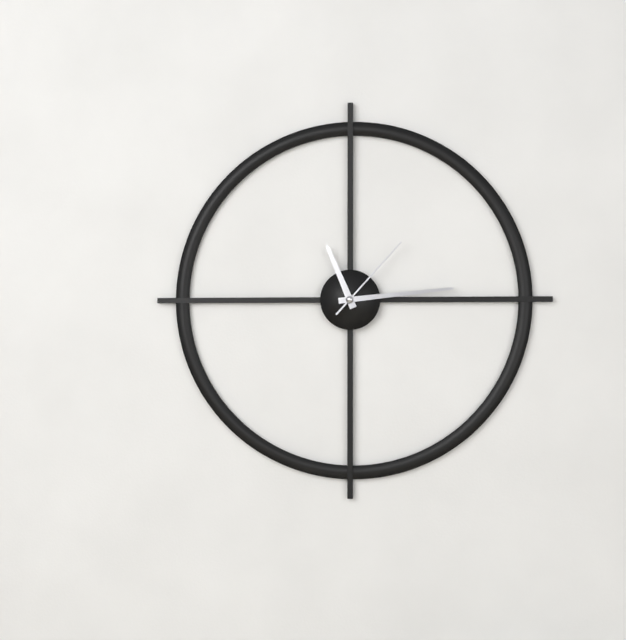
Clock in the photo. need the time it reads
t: 11:14:07
